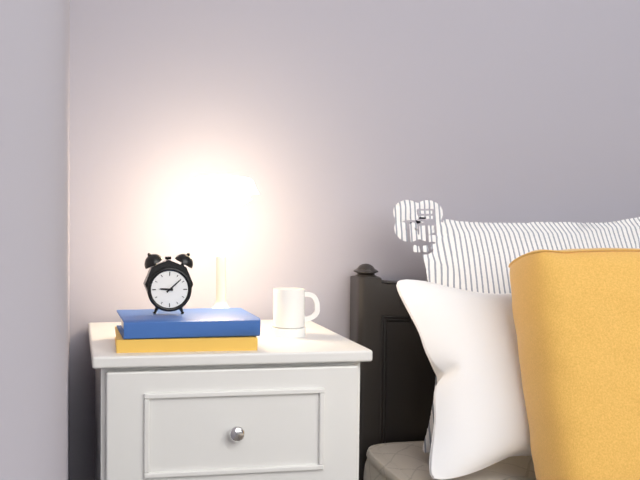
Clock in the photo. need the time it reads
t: 9:08
